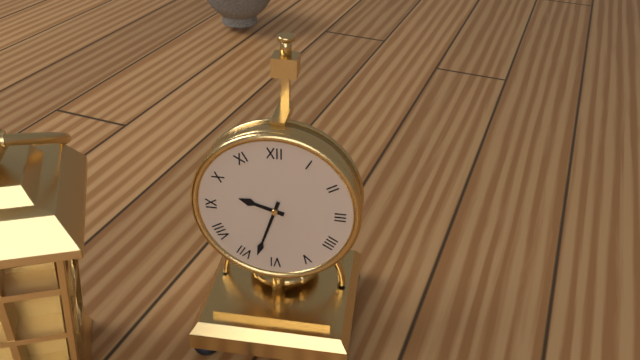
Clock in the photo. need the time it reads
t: 9:33
